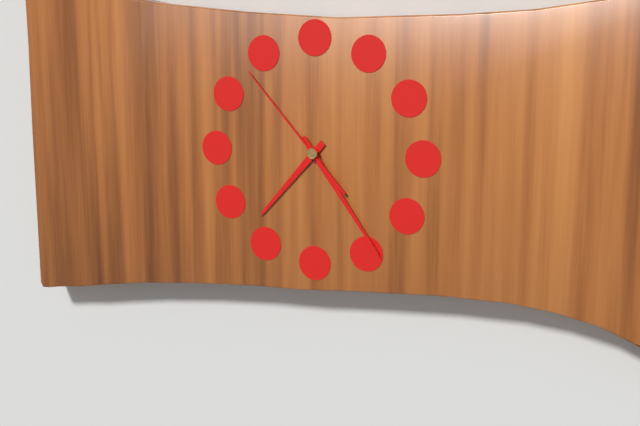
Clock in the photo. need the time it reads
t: 7:24:53
